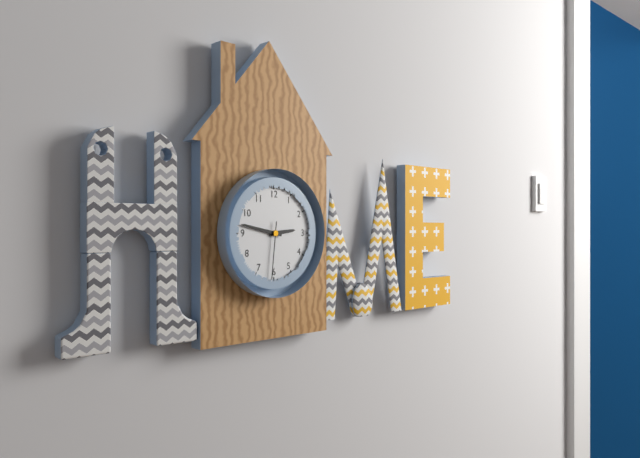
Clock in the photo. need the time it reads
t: 2:47:31
